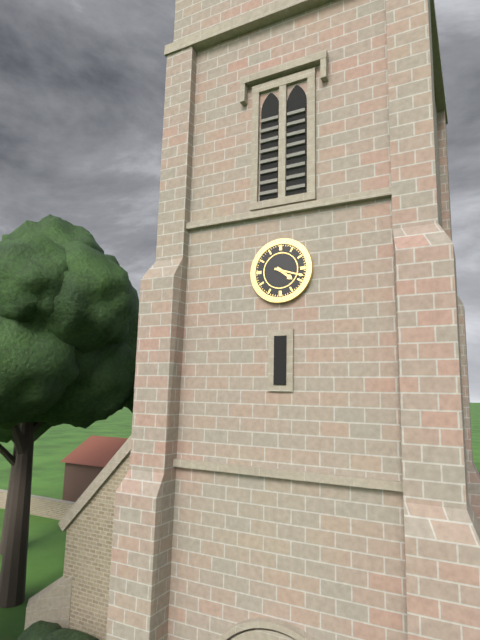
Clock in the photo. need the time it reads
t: 4:18
